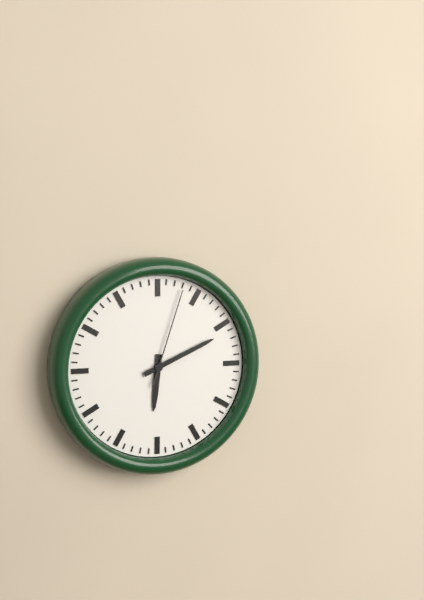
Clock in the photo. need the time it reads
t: 6:11:03
